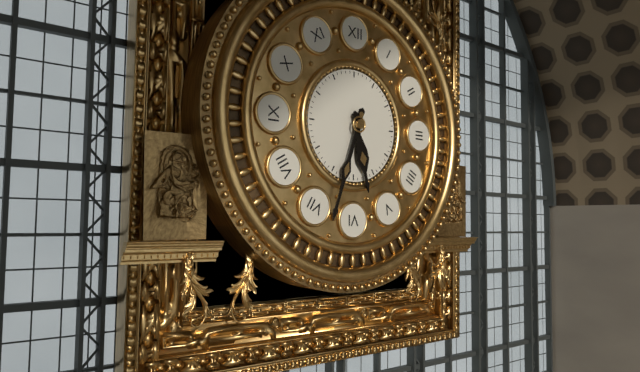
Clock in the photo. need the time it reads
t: 5:33
